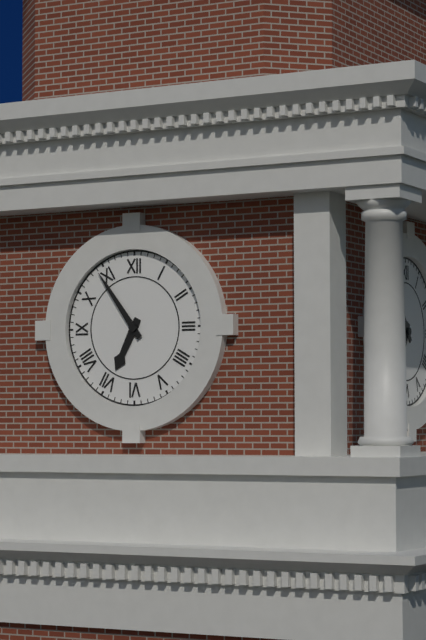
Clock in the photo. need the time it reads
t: 6:54
